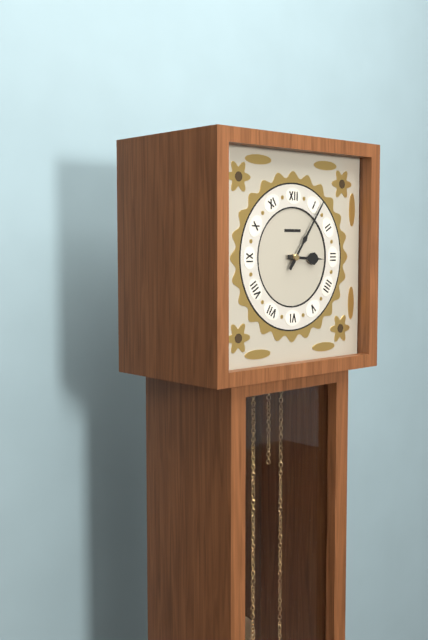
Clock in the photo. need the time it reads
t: 3:06
